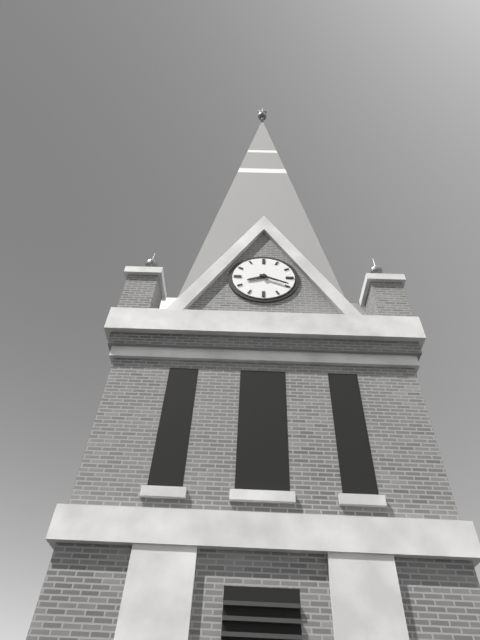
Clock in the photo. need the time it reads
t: 8:19
